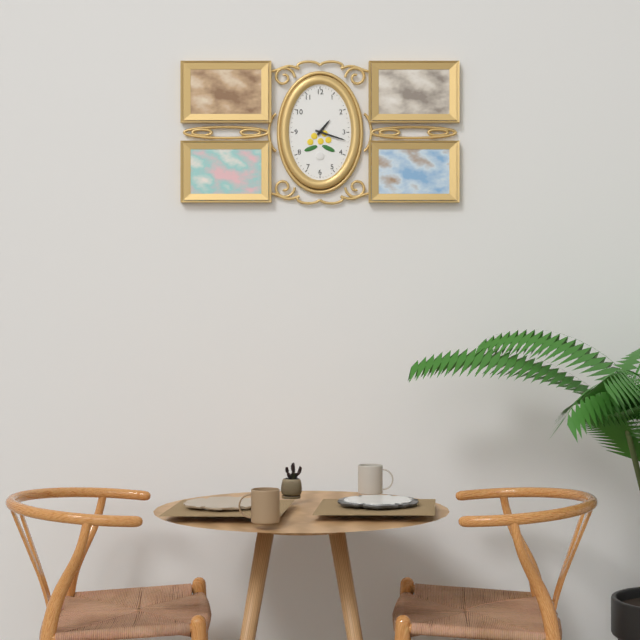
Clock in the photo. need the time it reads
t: 1:18
